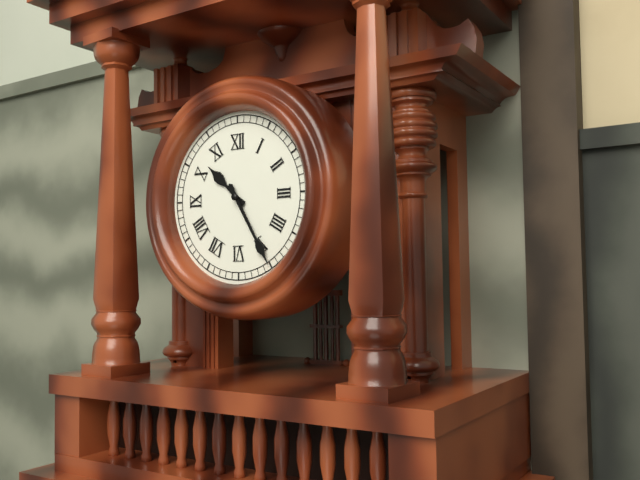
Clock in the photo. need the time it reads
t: 10:25
